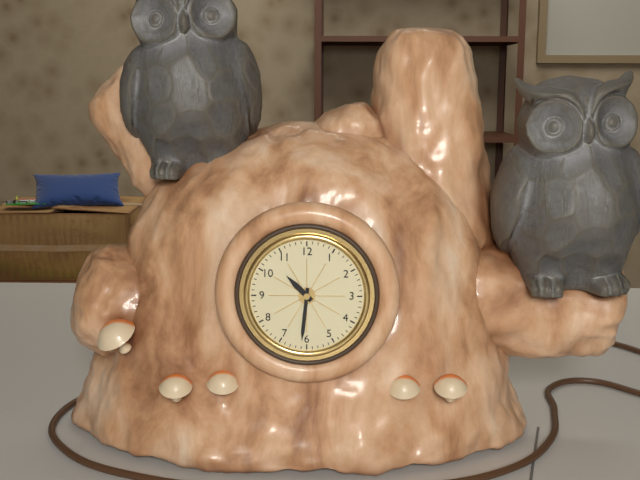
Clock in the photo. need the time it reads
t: 10:31
